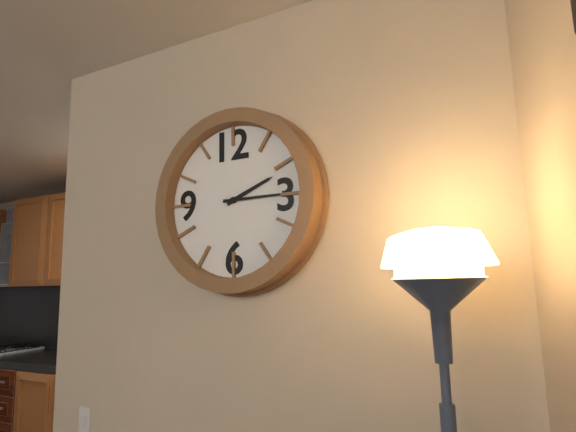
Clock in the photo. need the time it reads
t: 2:15
